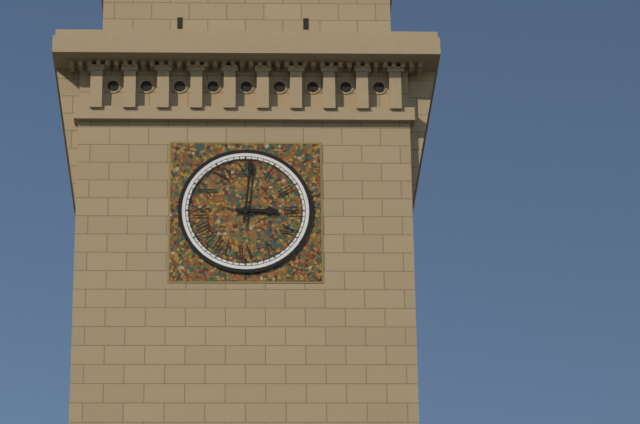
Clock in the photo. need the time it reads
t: 3:01
